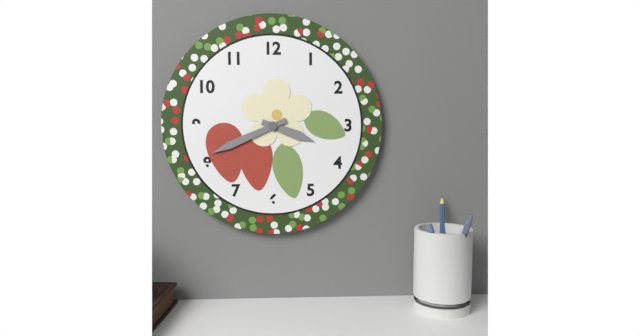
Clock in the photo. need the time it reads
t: 3:41
